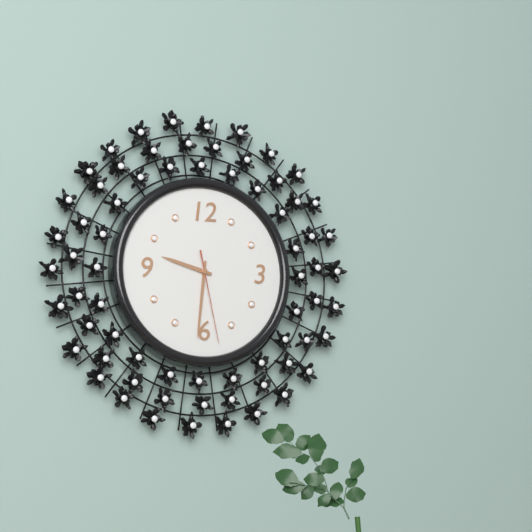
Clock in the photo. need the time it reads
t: 9:31:28
